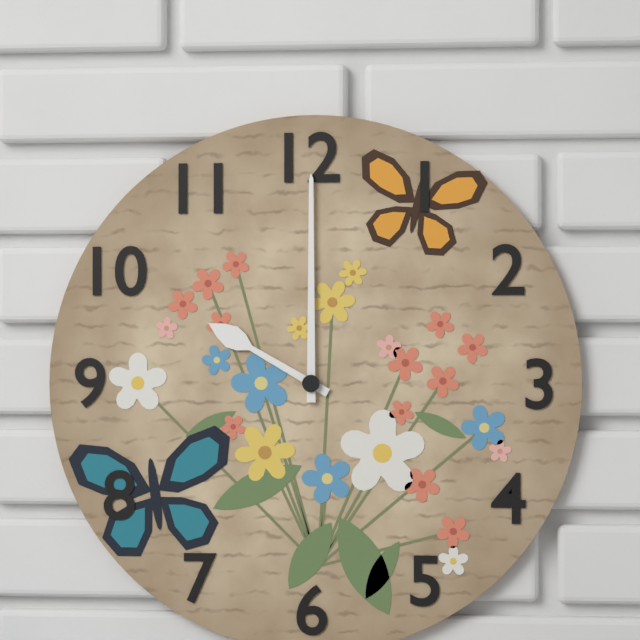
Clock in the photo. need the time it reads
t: 10:00
